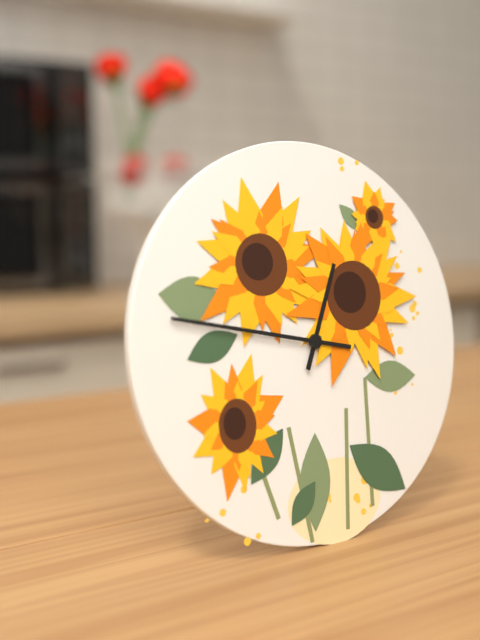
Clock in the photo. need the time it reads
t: 12:47
